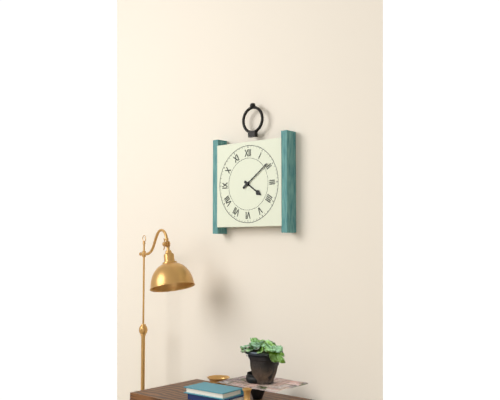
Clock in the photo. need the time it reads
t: 4:09
